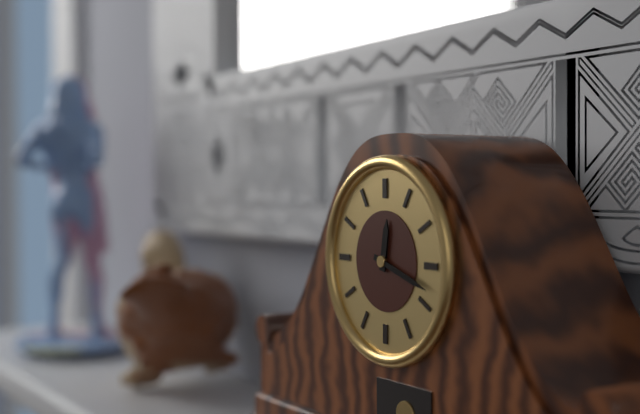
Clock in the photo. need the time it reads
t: 12:18
